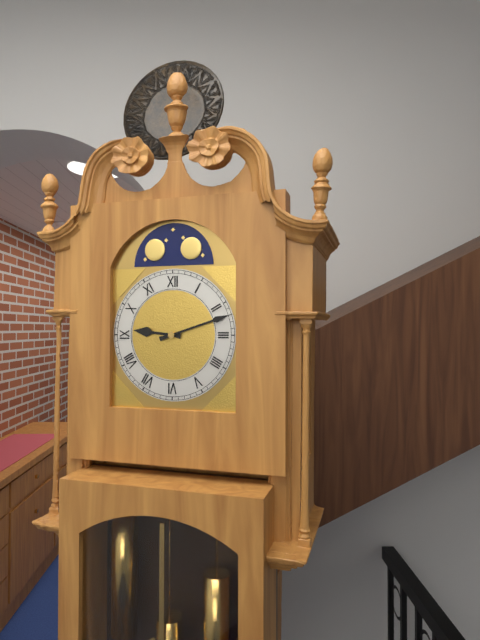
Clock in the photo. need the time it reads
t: 9:12
